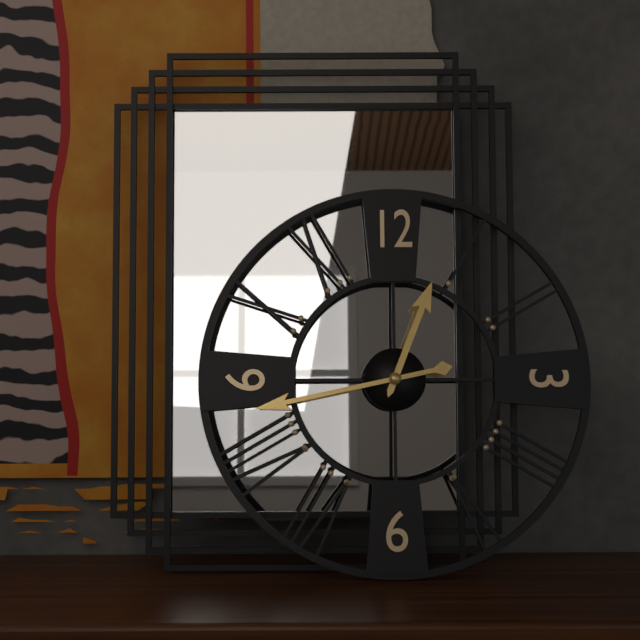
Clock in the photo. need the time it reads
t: 12:43
